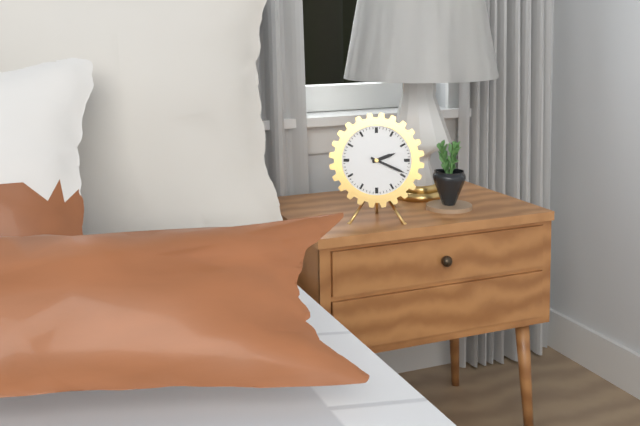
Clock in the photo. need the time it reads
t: 2:19
